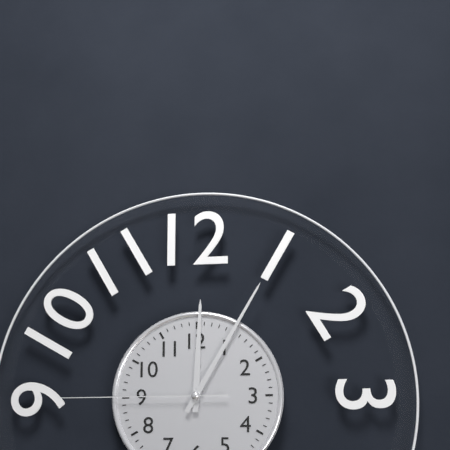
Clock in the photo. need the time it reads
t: 12:05:45
